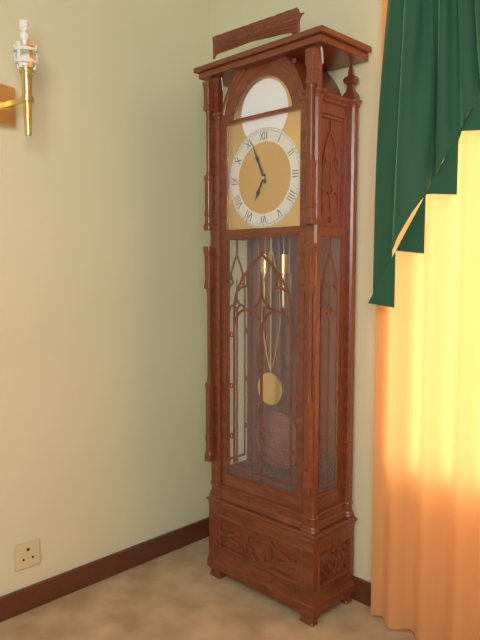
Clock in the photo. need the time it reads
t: 6:56
